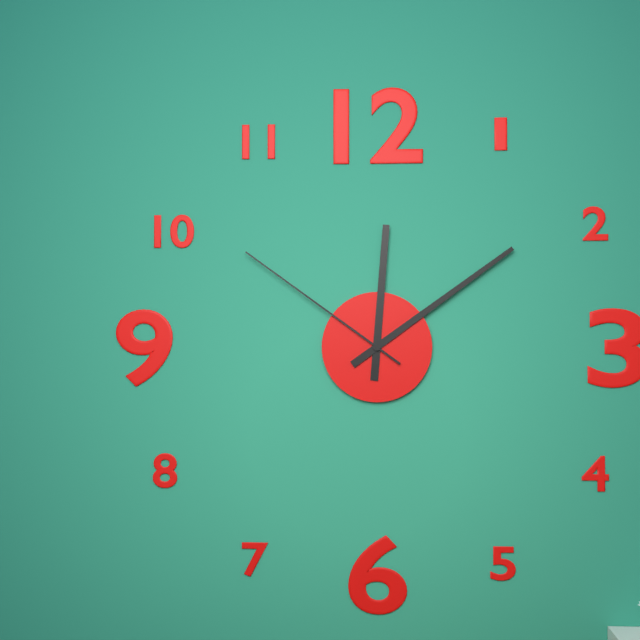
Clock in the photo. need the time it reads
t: 12:09:51
